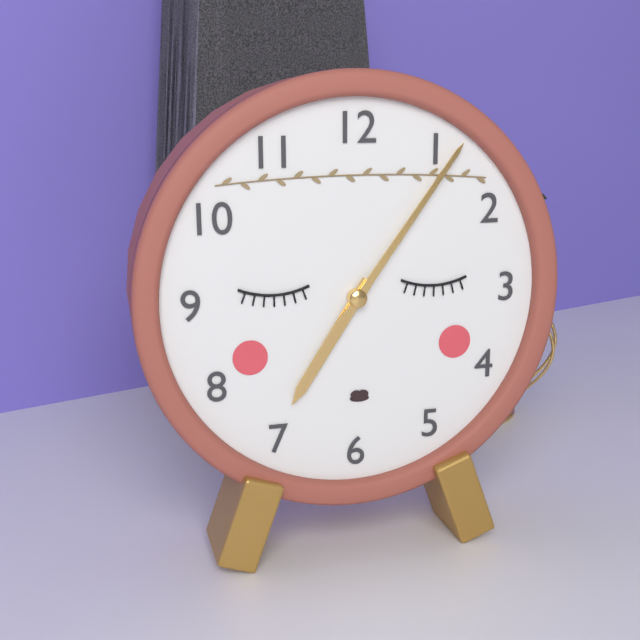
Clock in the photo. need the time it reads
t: 7:06
